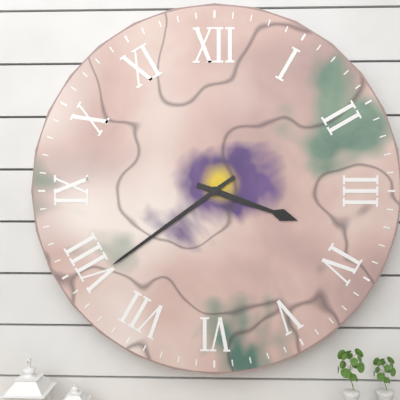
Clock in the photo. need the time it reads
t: 3:39
